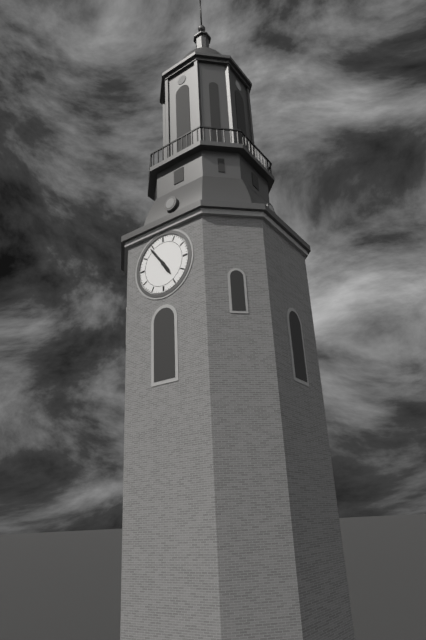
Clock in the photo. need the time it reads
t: 4:54
